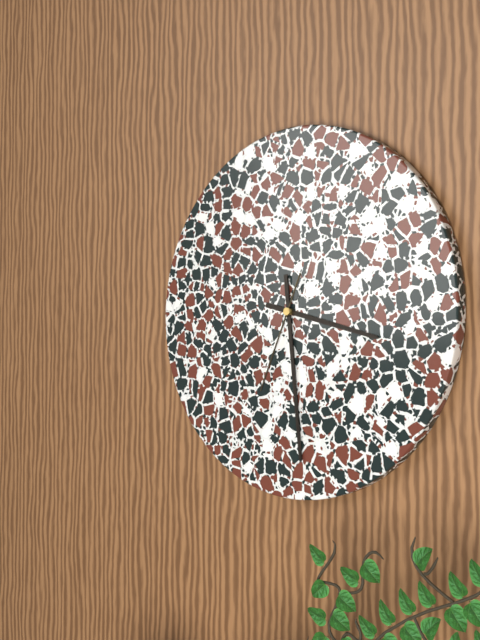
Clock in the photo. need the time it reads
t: 3:29:34
